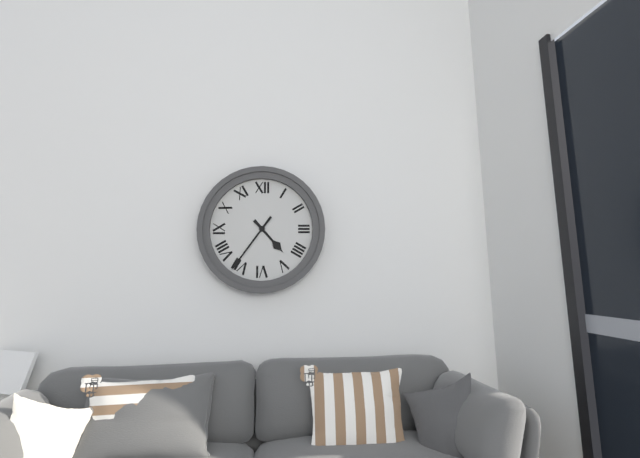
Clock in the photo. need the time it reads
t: 4:36
